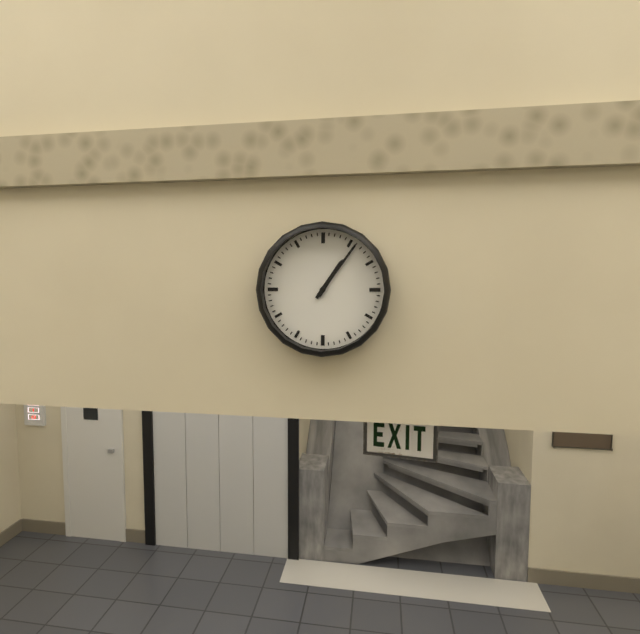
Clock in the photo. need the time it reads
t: 1:06
